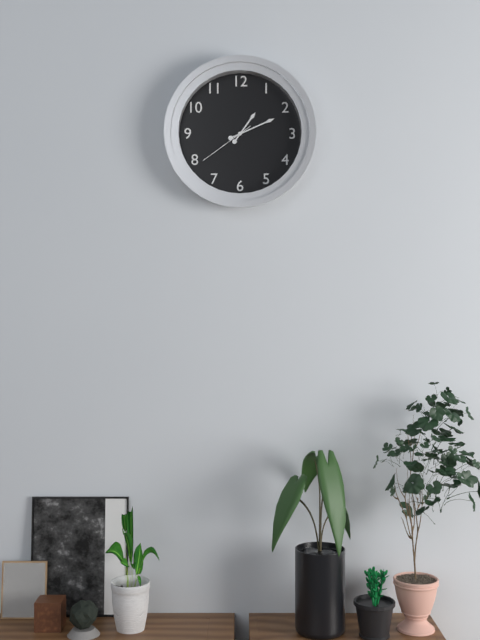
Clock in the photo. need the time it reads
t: 1:11:39
